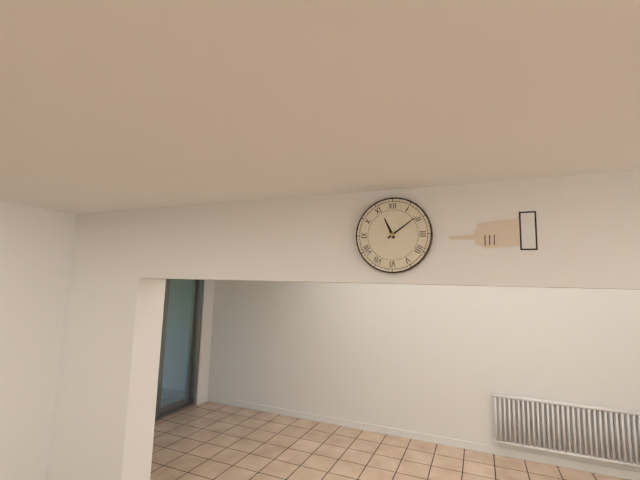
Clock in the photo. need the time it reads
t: 11:09
